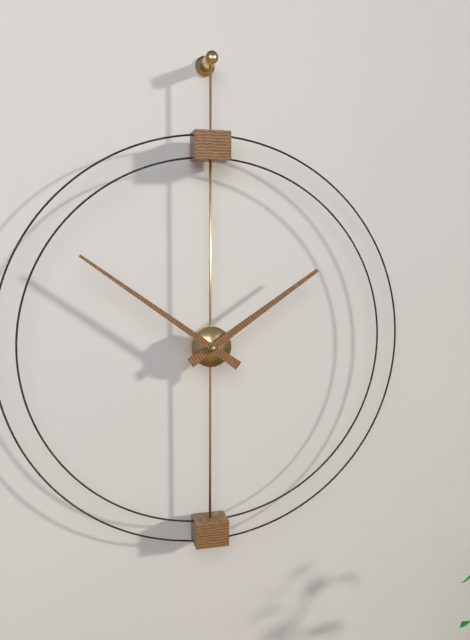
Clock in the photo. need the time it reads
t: 1:51
